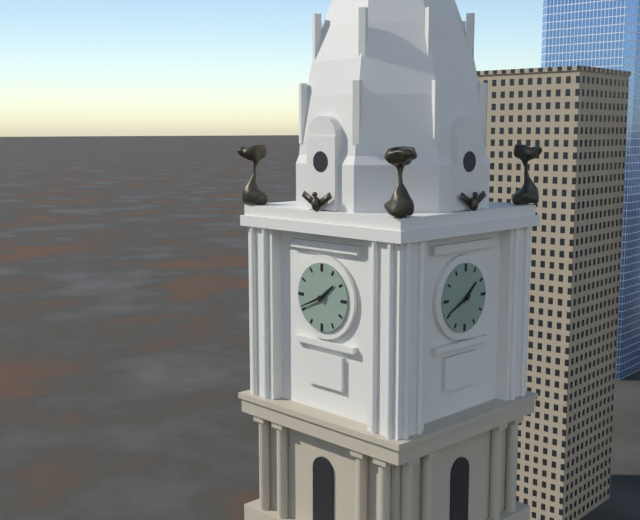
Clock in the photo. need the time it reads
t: 1:41
